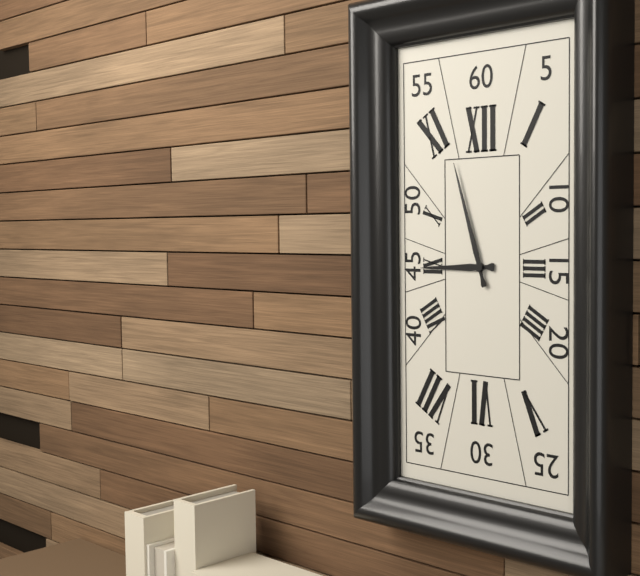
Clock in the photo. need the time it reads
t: 8:57
